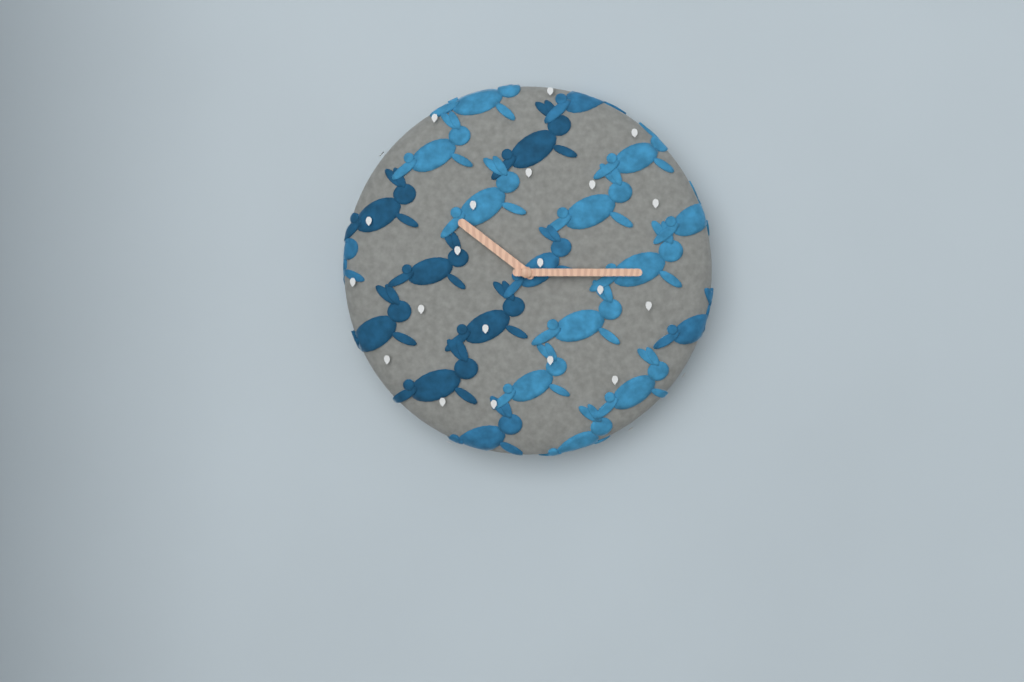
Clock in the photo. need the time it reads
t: 10:15
